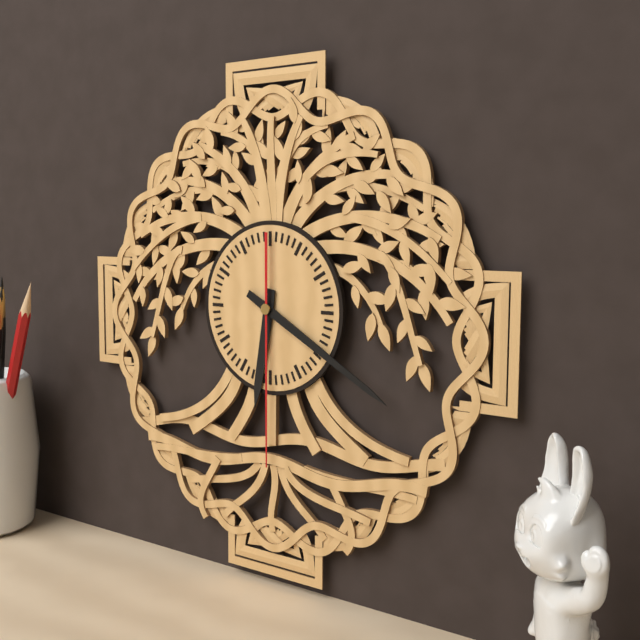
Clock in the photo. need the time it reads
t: 6:20:30
